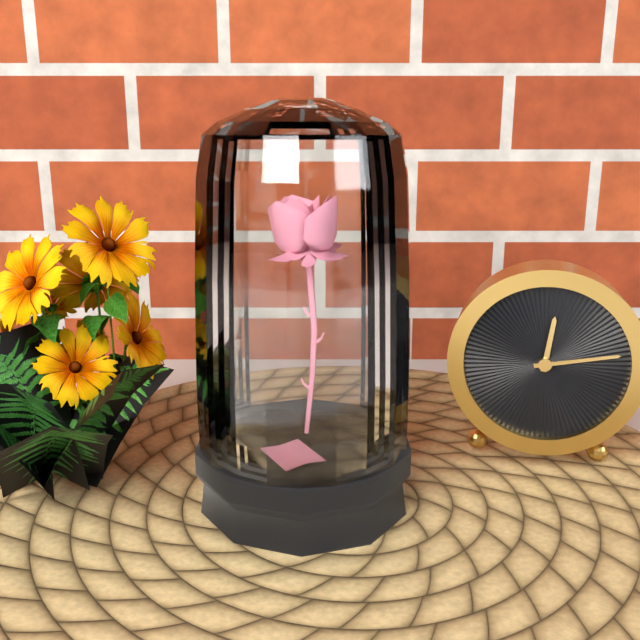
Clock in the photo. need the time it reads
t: 12:13
